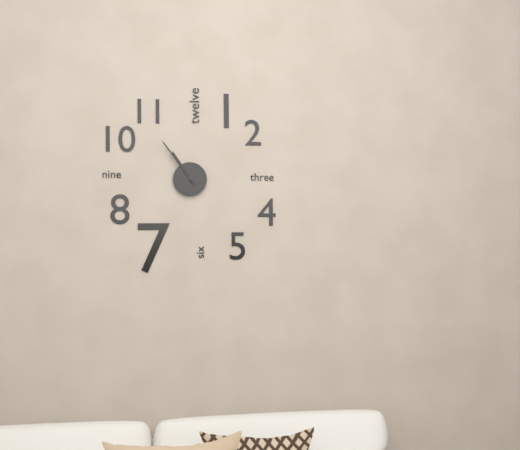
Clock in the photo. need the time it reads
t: 10:54
